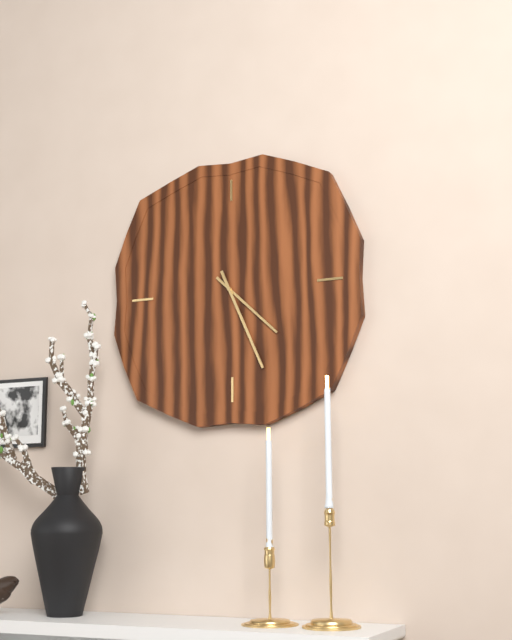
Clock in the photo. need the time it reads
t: 4:26
